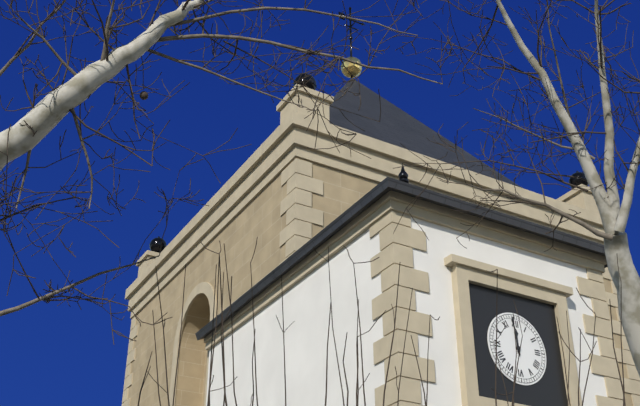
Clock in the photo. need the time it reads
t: 11:59
